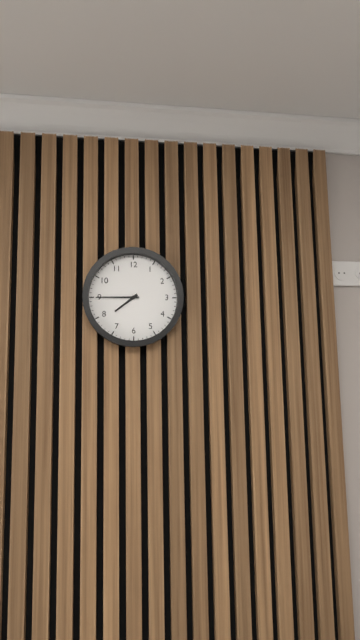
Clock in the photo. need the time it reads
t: 7:45
